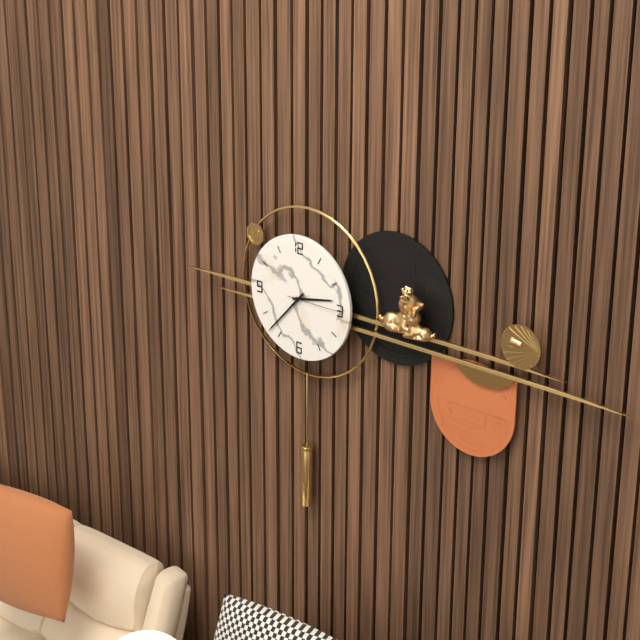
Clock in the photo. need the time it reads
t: 2:37:15
